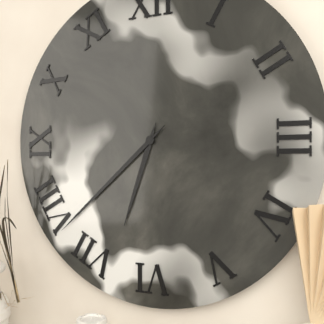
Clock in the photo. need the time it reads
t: 6:38
